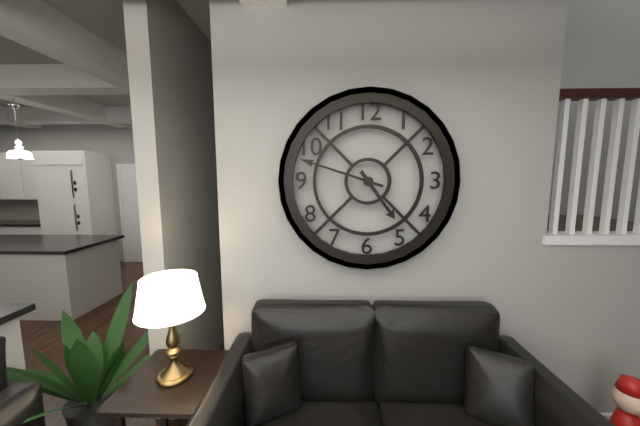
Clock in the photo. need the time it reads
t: 4:48
